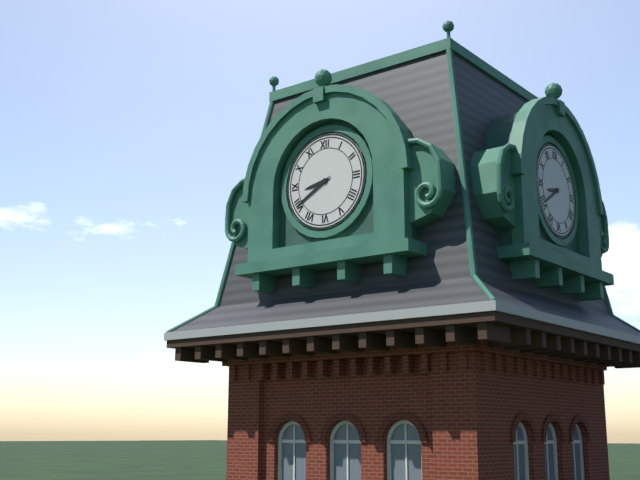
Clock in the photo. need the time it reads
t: 8:40
